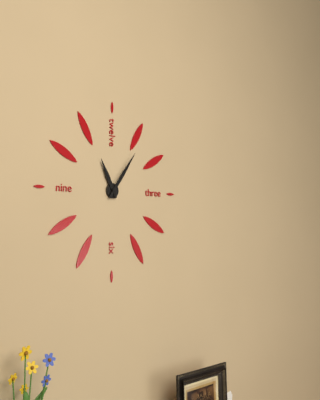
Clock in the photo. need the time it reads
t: 11:06
